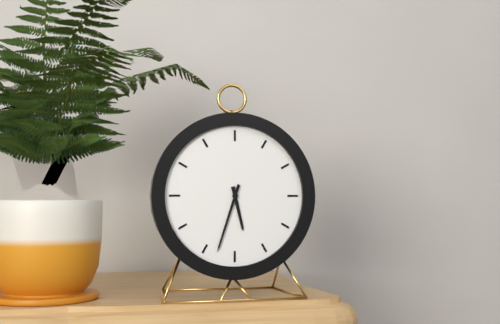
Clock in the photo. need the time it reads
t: 5:33
